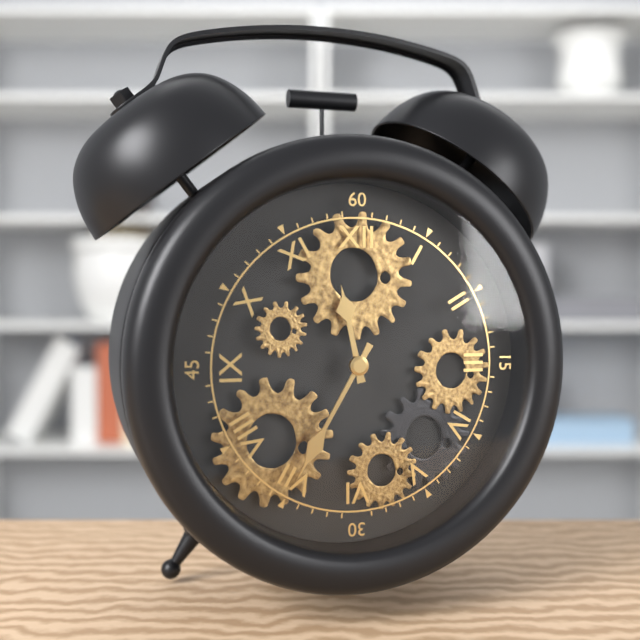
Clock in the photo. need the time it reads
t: 11:35
